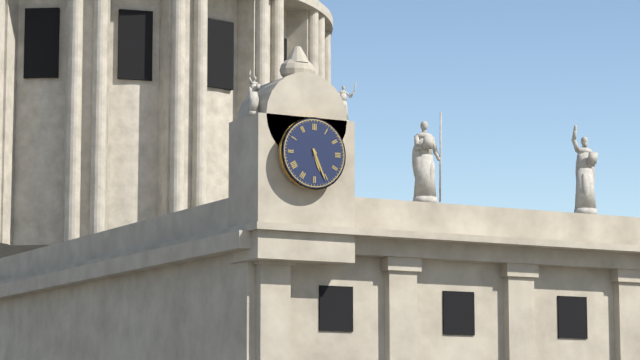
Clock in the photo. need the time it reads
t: 5:26
